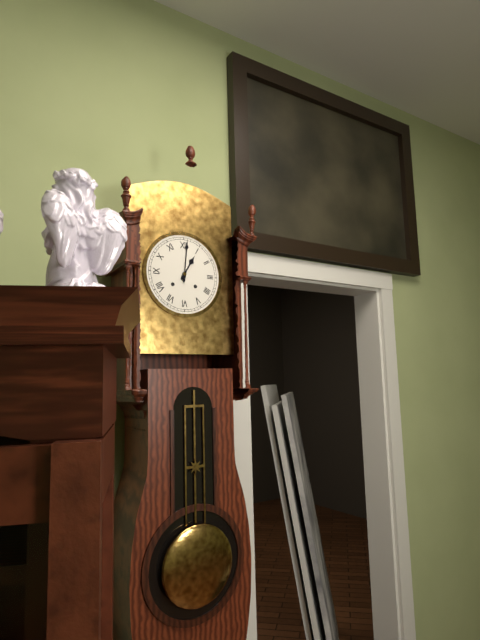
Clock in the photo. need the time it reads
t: 1:01
